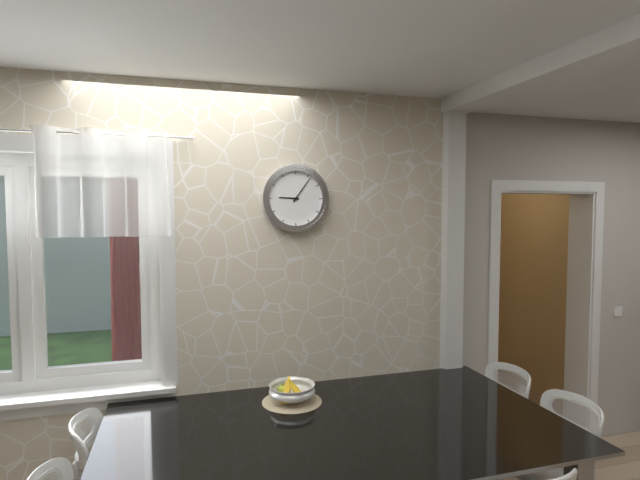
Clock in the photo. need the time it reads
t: 9:06
